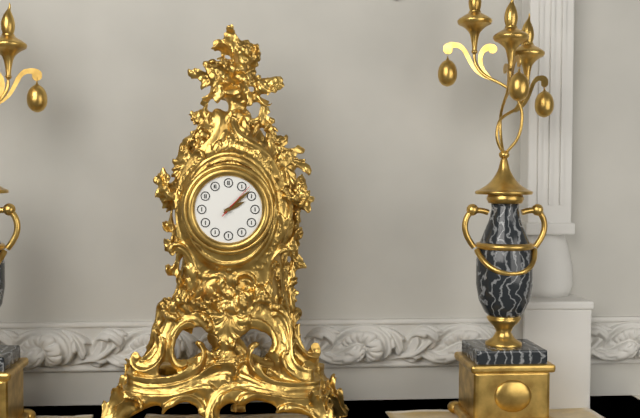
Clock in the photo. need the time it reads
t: 2:08
